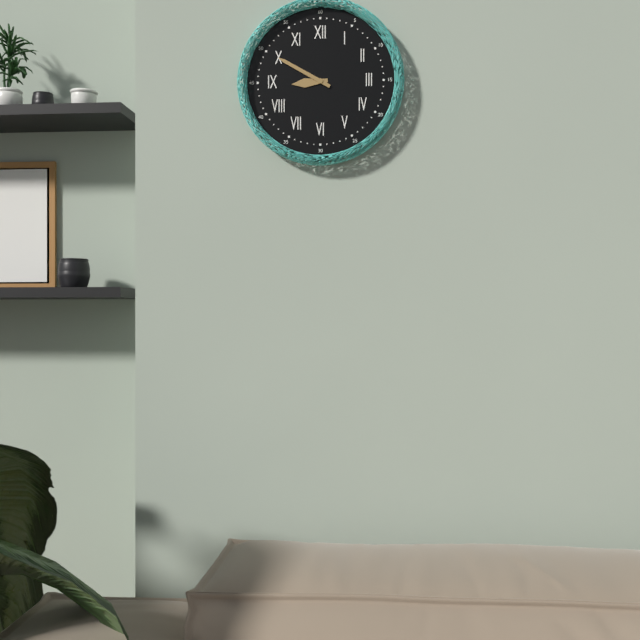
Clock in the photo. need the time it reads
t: 8:50
